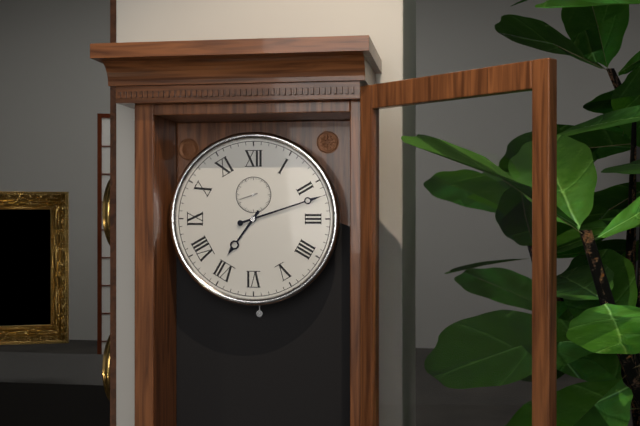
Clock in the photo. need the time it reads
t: 7:12
